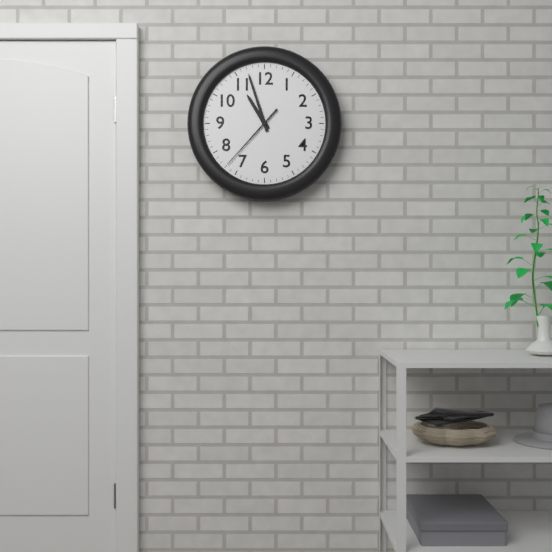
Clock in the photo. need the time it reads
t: 10:57:37
